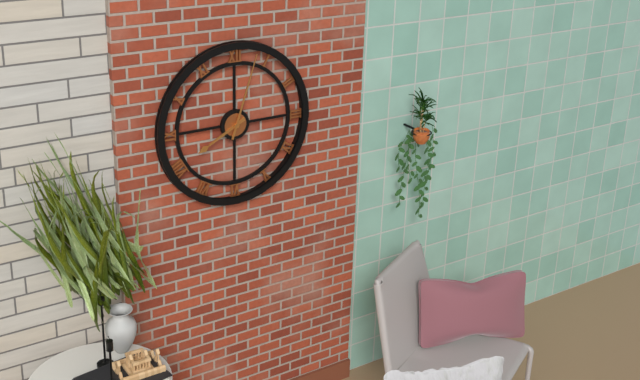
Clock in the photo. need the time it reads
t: 8:03
